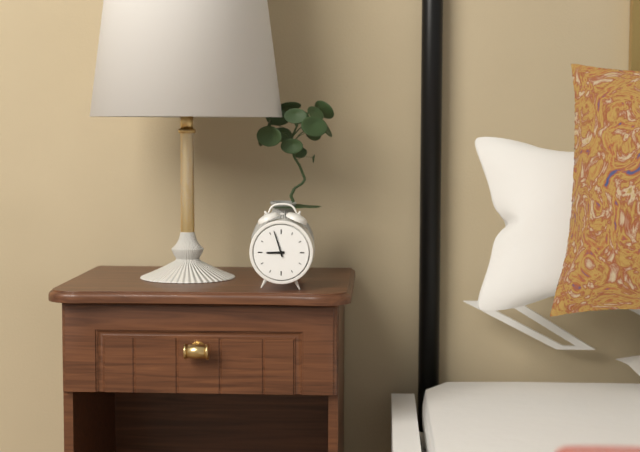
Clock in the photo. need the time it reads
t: 8:57
